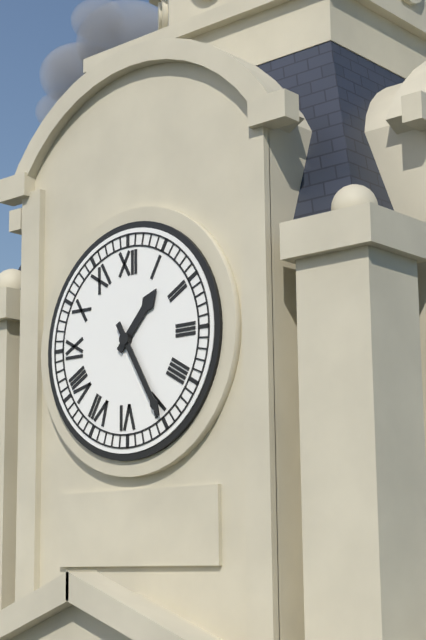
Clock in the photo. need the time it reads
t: 1:25
